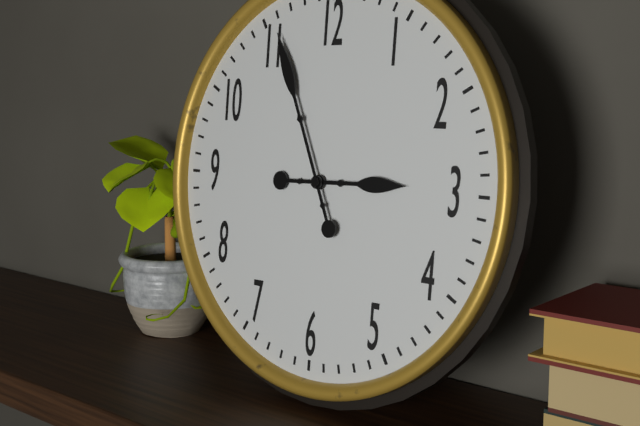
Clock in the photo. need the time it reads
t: 2:56
